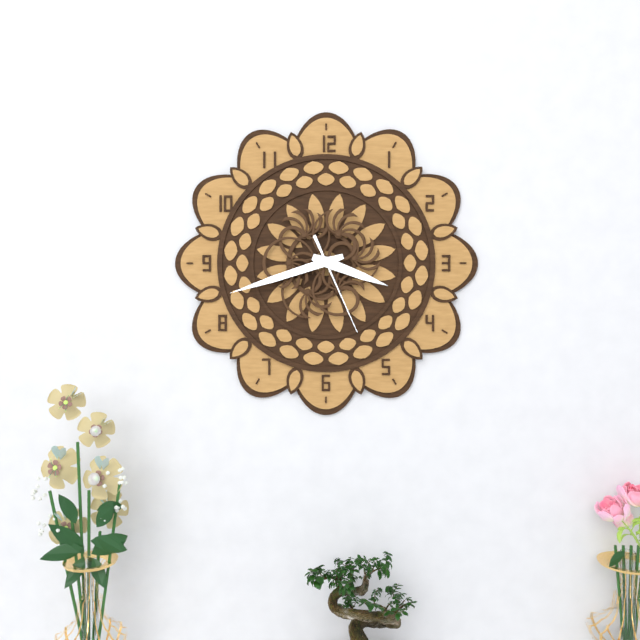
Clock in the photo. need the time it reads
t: 3:42:26
